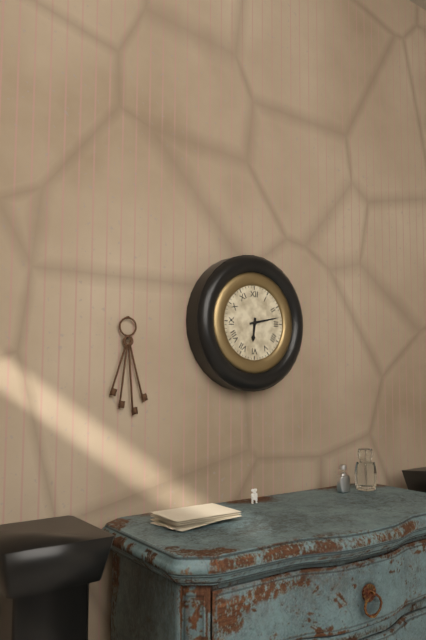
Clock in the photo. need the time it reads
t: 6:13
